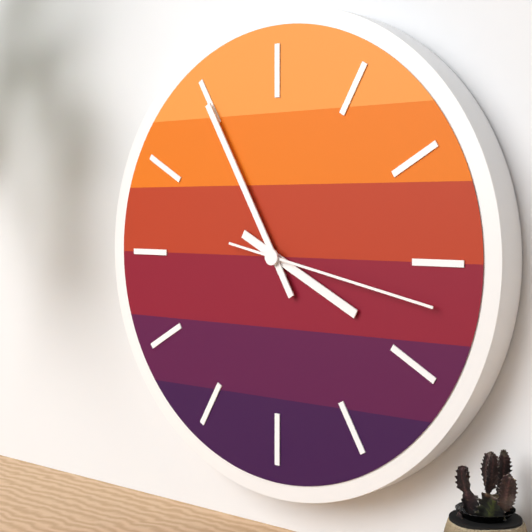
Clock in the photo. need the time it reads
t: 3:55:17
